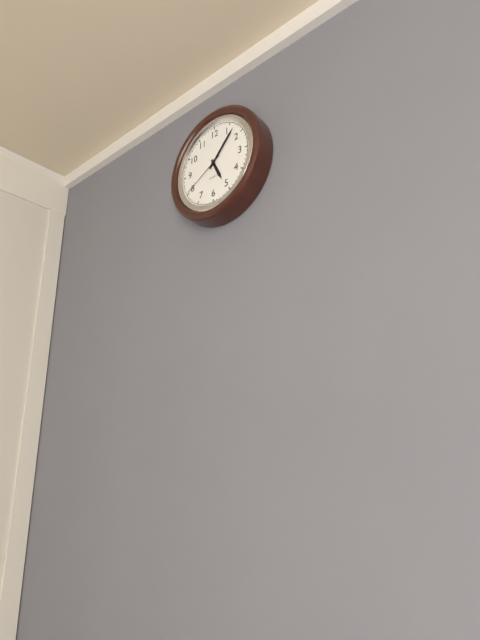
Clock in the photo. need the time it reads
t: 5:07
